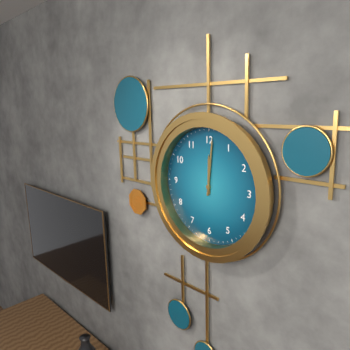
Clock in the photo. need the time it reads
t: 12:01
